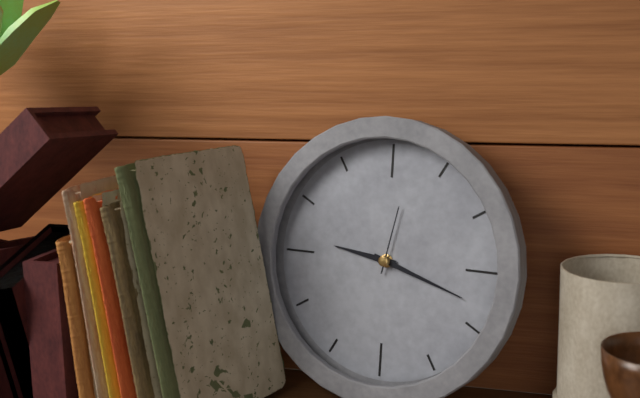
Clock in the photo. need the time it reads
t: 9:18:02
